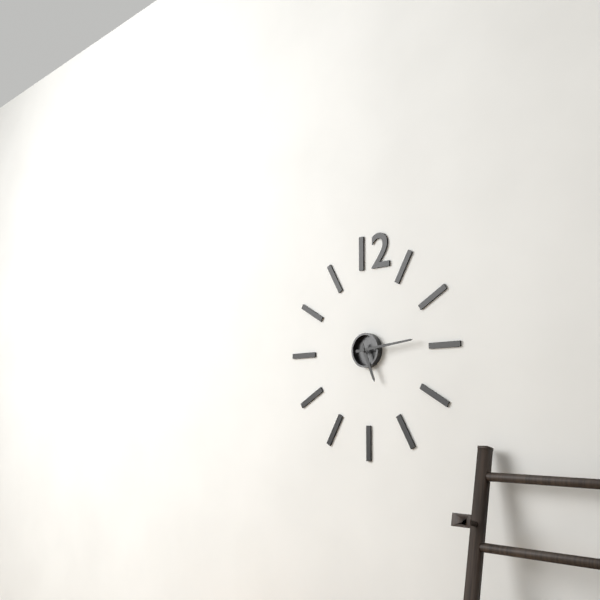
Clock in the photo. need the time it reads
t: 5:14
